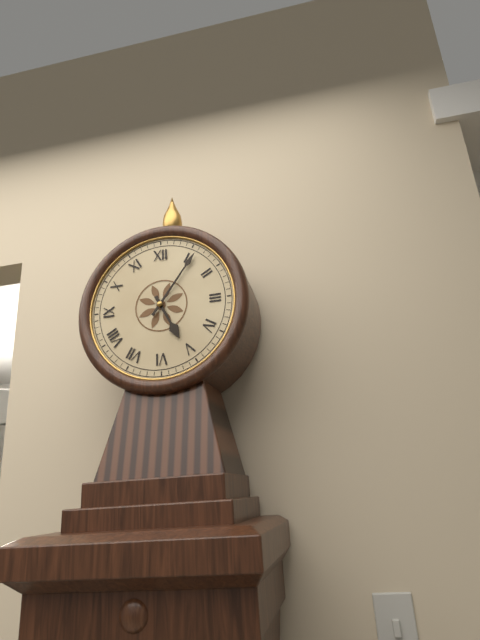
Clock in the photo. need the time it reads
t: 5:06
